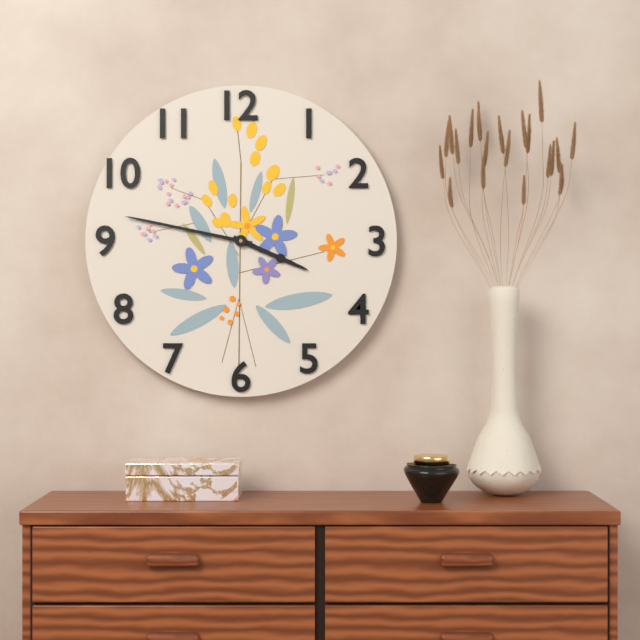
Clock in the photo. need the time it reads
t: 3:47
